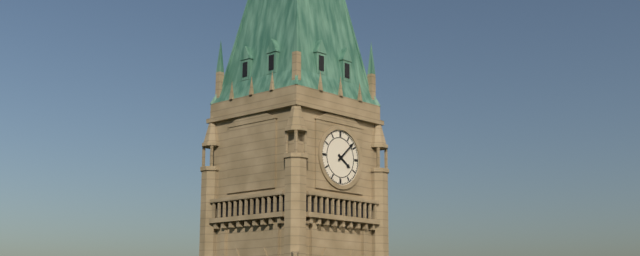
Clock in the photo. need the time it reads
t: 4:08
